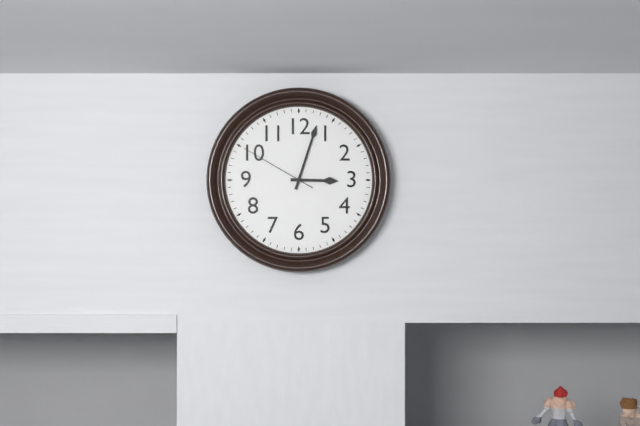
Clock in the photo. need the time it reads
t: 3:03:50
